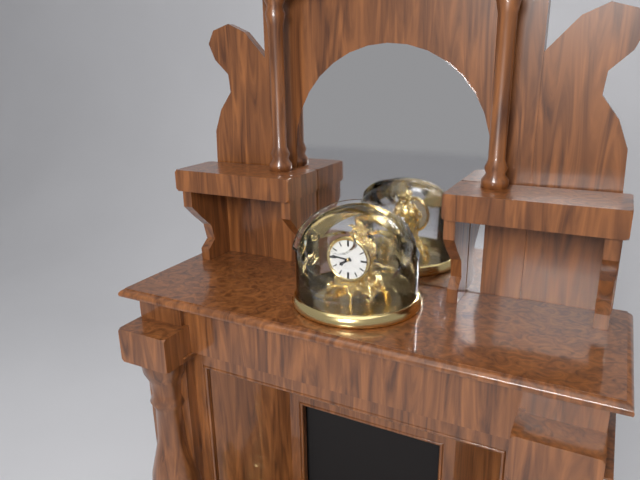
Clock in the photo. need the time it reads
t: 7:46
